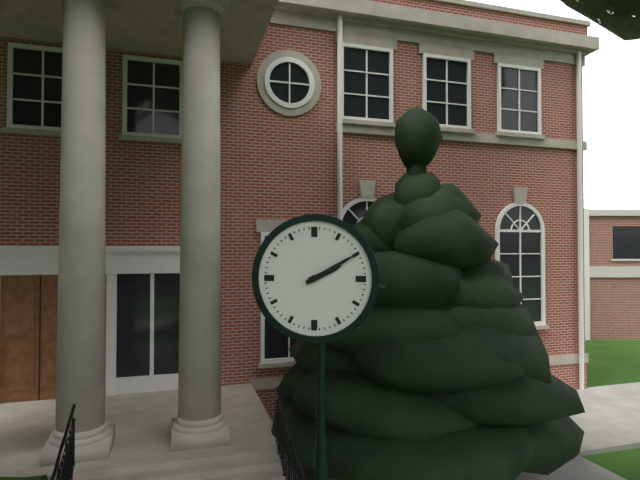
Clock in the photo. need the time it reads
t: 2:10
